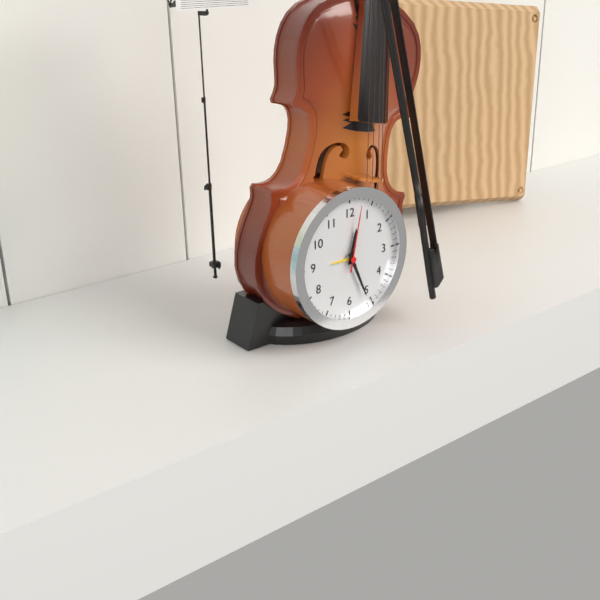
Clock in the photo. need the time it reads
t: 12:26:02
